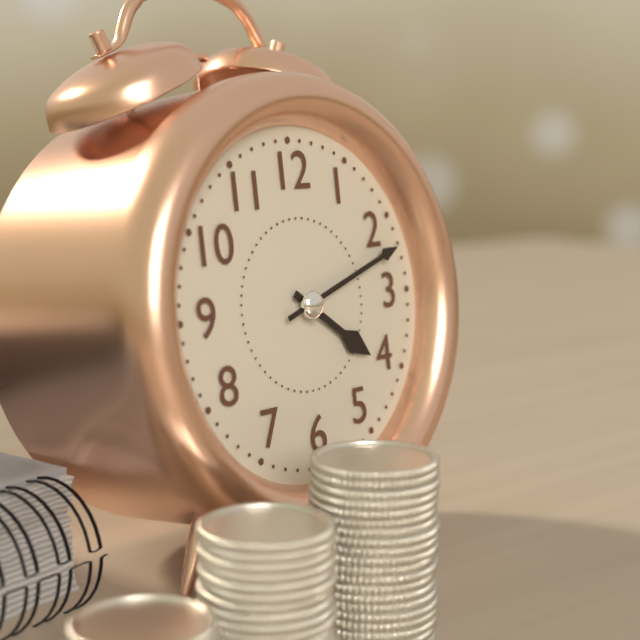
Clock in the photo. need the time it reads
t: 4:12
